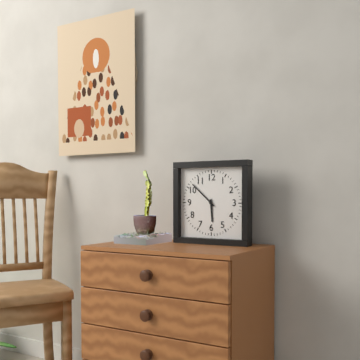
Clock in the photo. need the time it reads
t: 5:52
